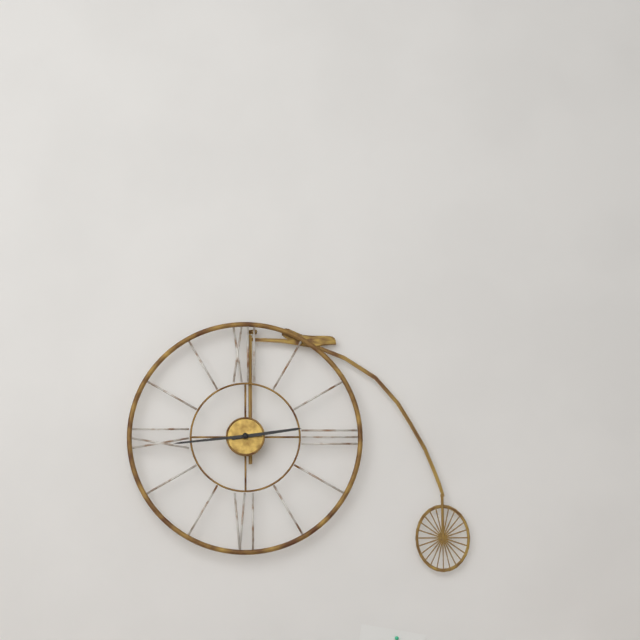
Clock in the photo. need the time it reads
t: 2:44
